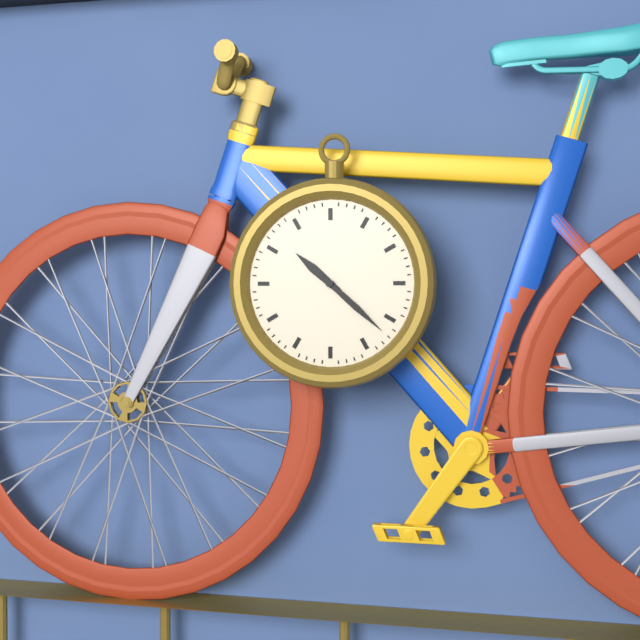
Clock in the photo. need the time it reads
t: 10:22
